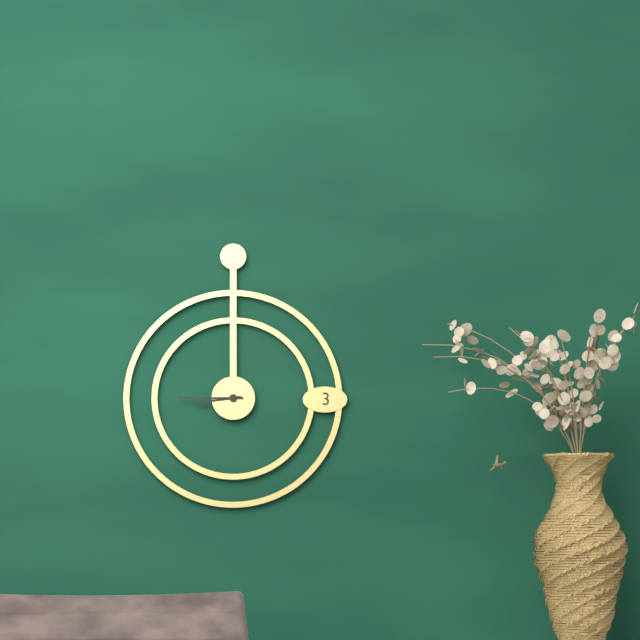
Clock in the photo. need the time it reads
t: 8:45
